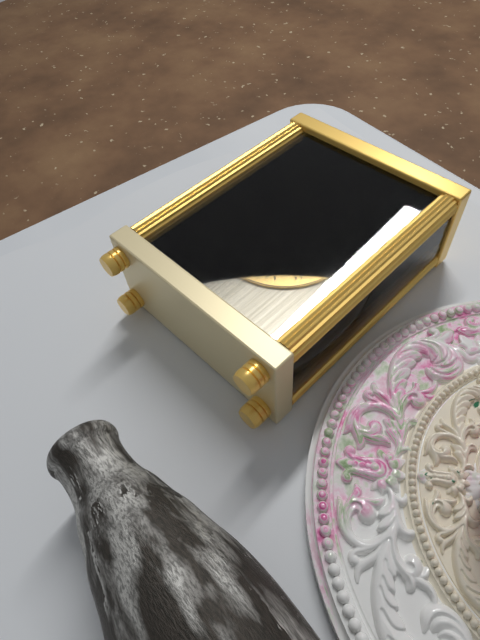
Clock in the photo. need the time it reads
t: 8:39
